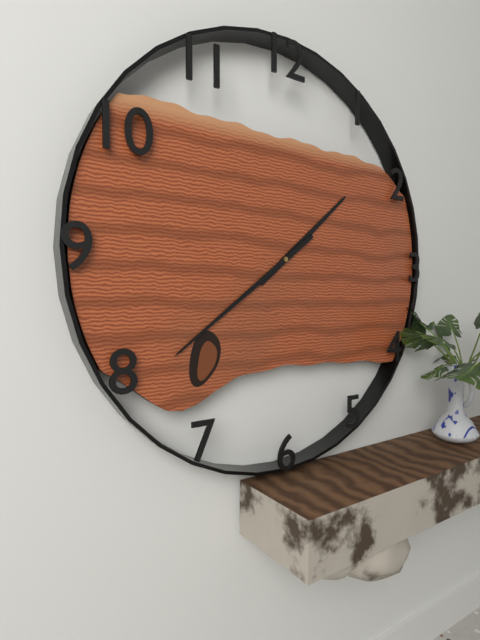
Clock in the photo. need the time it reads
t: 1:39
